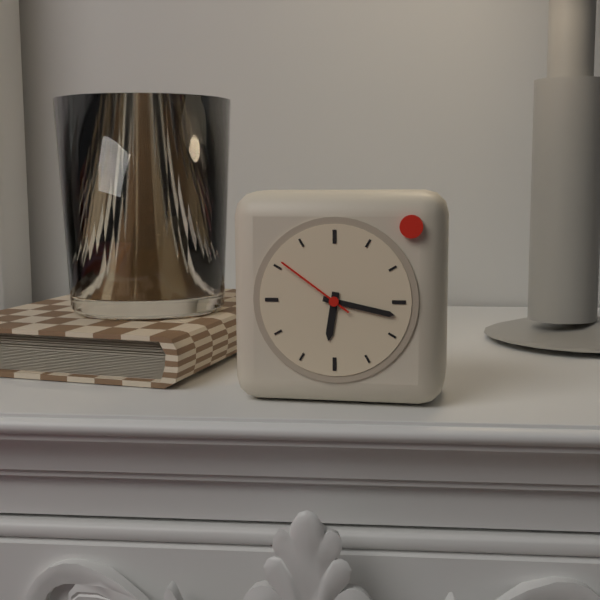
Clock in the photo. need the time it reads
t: 6:17:51
